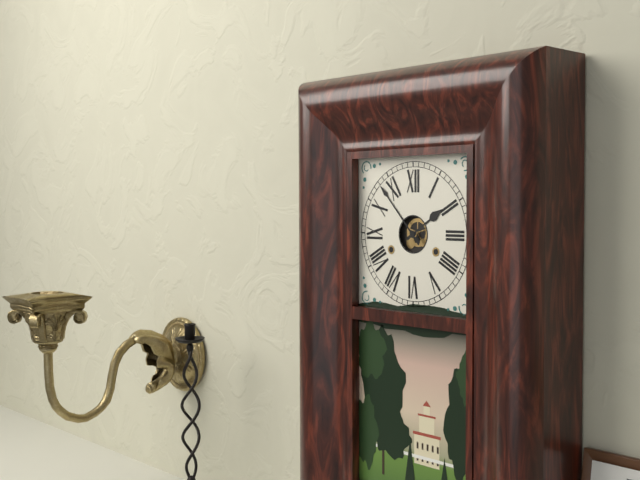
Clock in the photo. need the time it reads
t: 1:53
